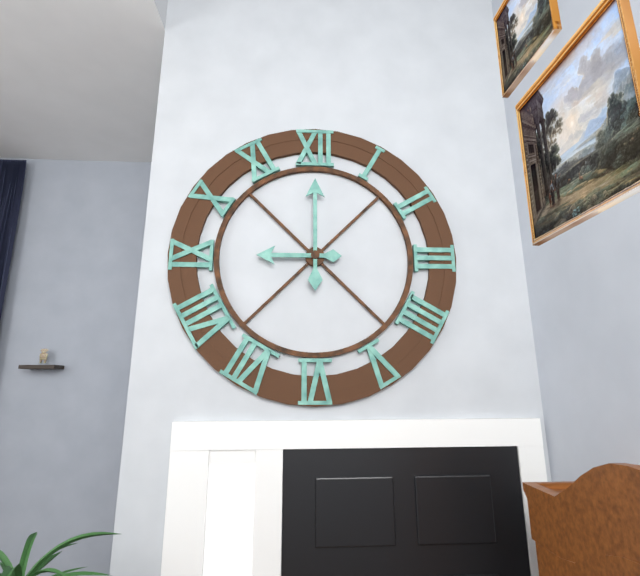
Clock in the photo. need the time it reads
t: 9:00
